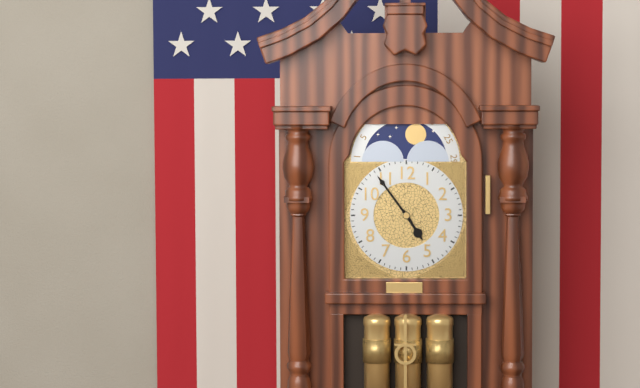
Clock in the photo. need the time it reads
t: 4:54
